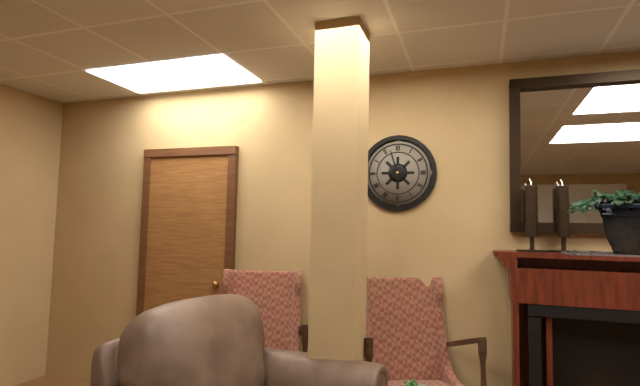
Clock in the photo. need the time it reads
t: 5:57
